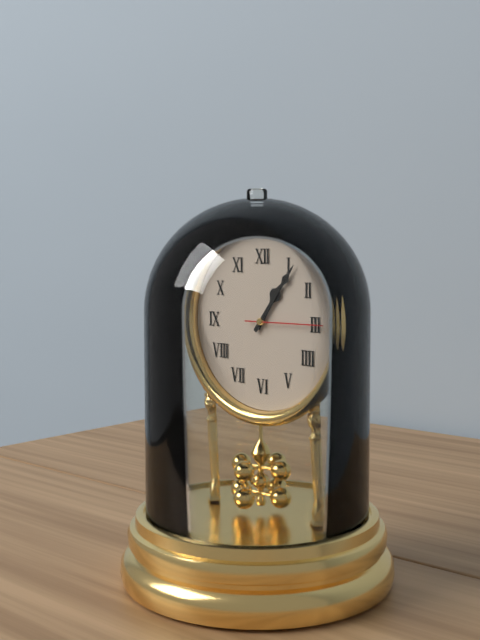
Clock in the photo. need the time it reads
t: 1:06:15
